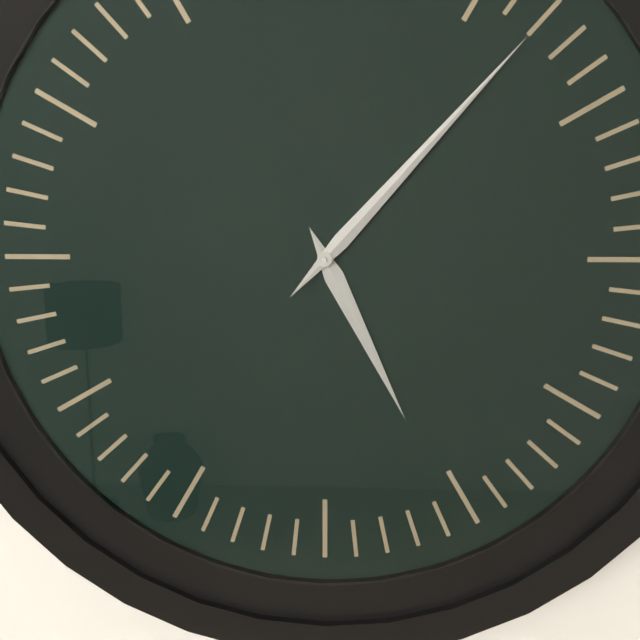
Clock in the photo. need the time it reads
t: 5:07
